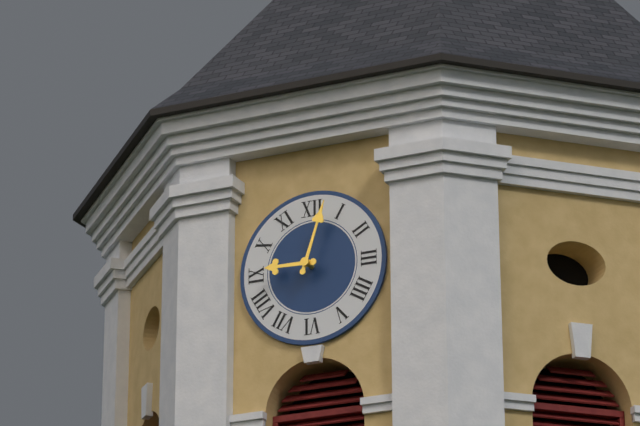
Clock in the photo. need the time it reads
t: 9:03
